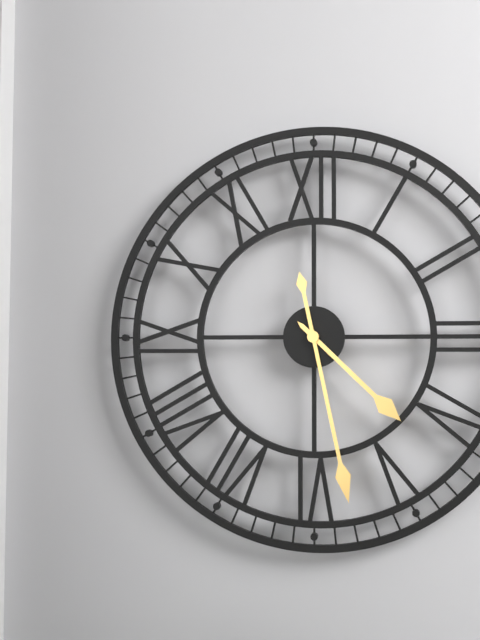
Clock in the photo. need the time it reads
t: 4:28
